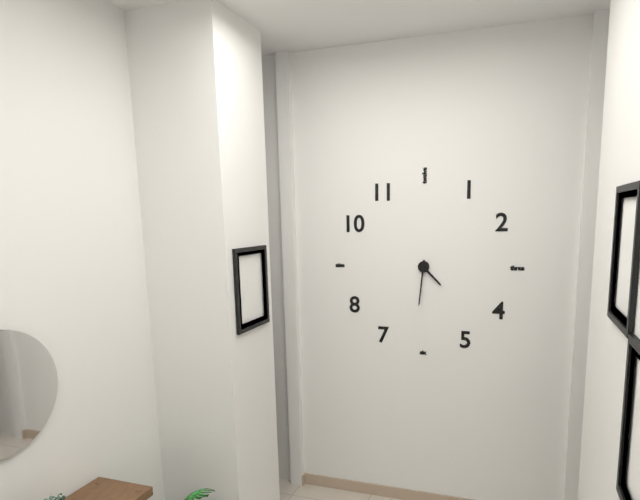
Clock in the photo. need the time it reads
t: 4:31
